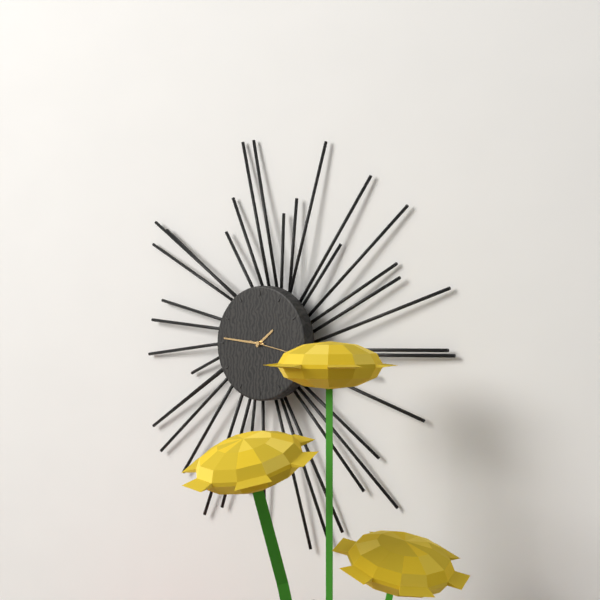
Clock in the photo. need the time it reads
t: 1:46
